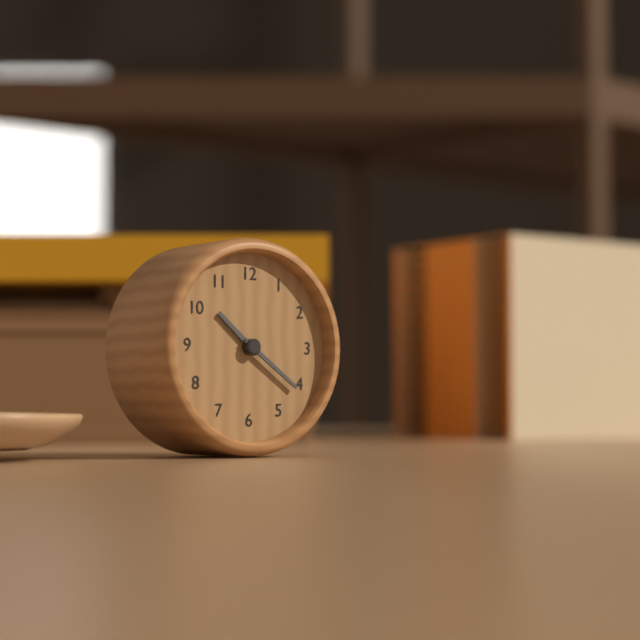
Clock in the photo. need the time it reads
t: 10:21
